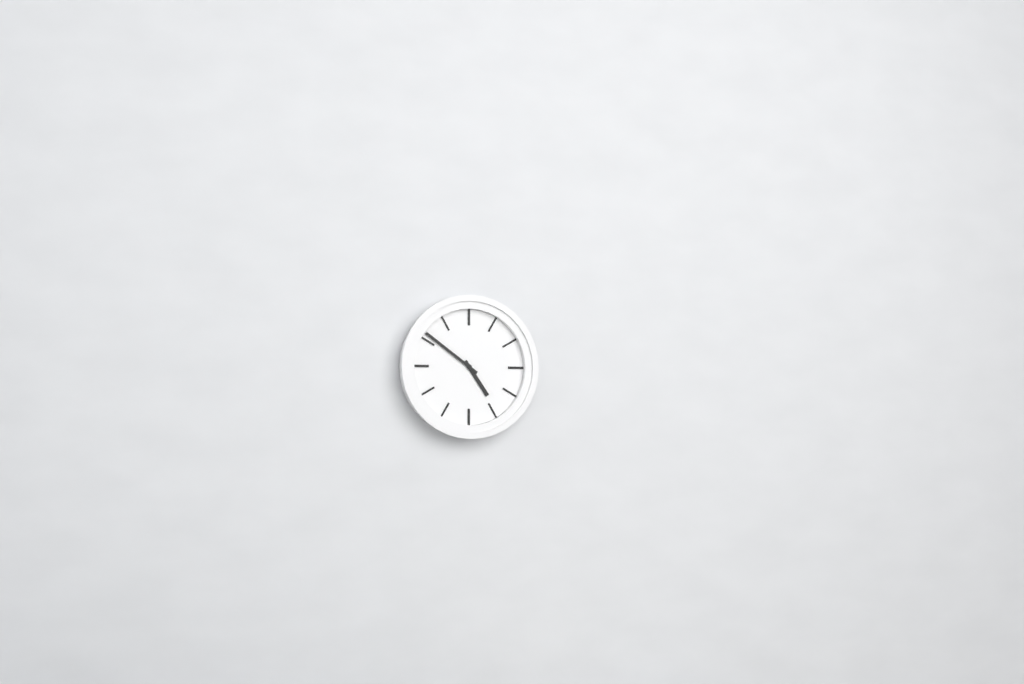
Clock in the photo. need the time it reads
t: 4:51
